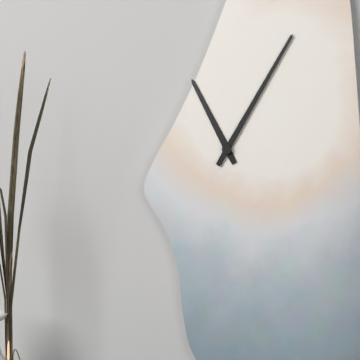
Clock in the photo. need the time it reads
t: 11:05
